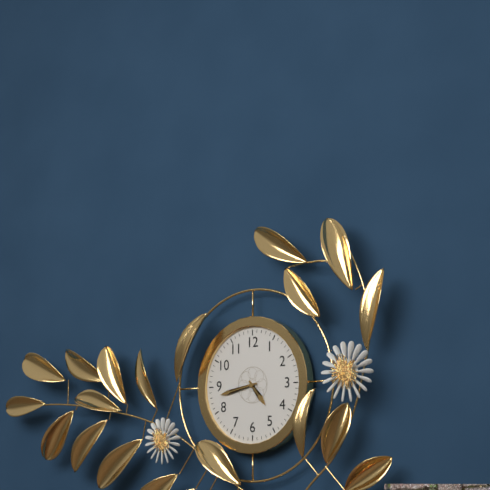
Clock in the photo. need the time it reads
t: 4:43
